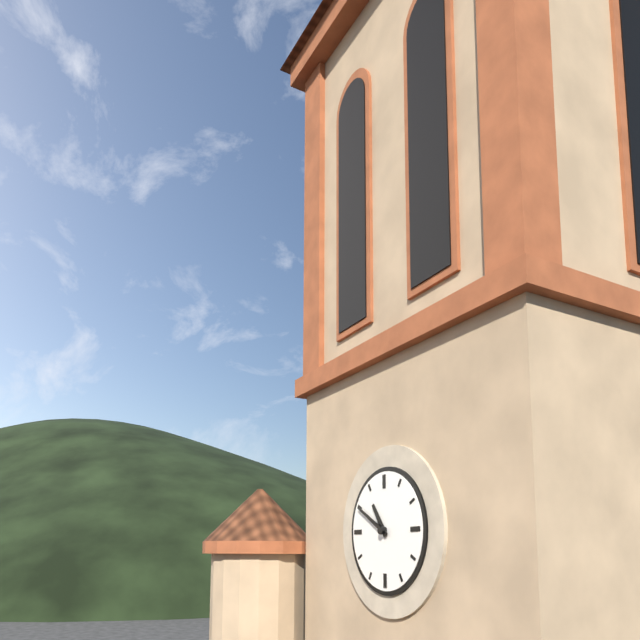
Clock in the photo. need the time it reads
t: 10:50
